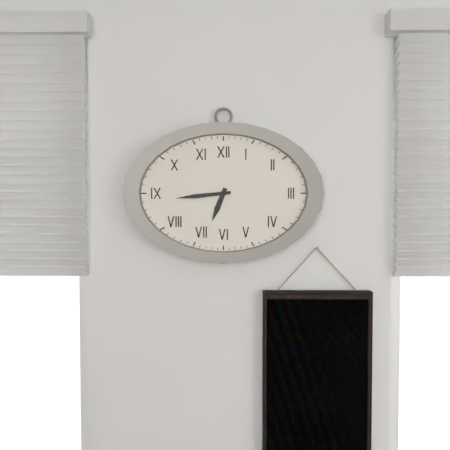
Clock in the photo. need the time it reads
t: 6:44
